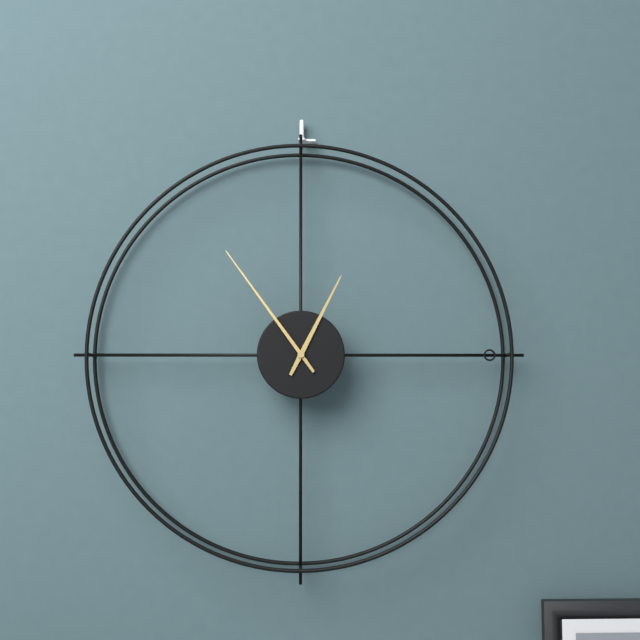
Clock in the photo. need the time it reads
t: 12:54
